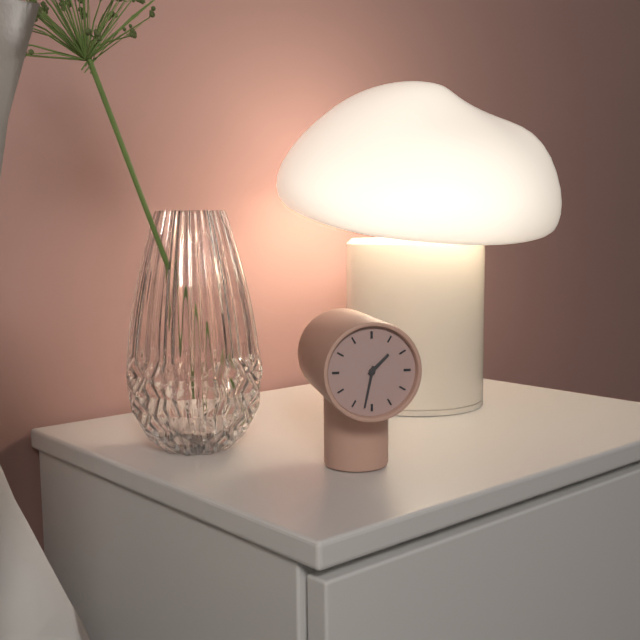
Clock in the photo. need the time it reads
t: 1:32
